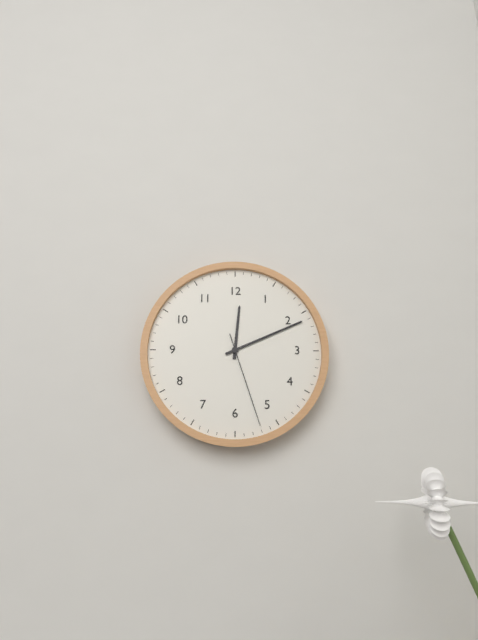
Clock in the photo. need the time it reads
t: 12:11:27
